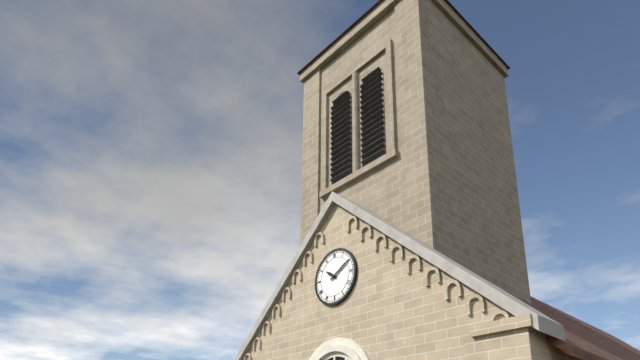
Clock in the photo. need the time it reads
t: 10:10
